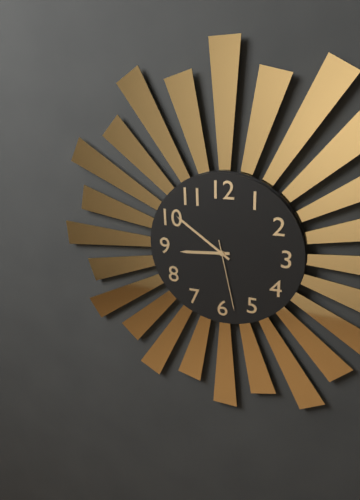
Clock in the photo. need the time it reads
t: 8:51:28
